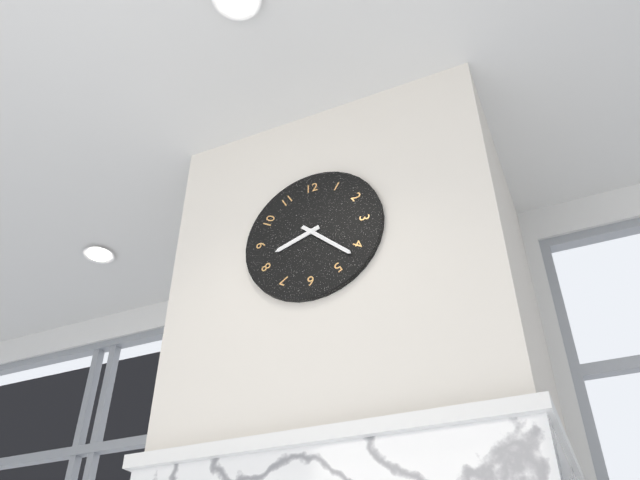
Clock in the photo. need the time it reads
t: 8:22
